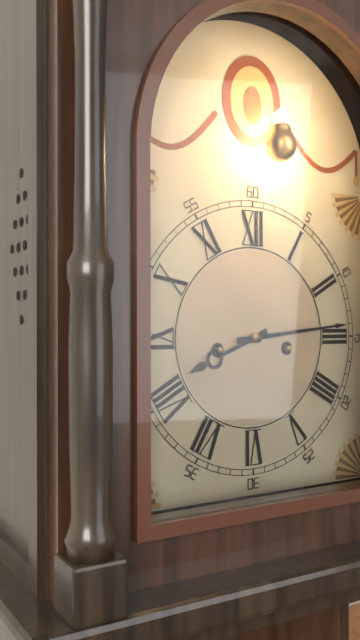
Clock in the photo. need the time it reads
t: 8:14
